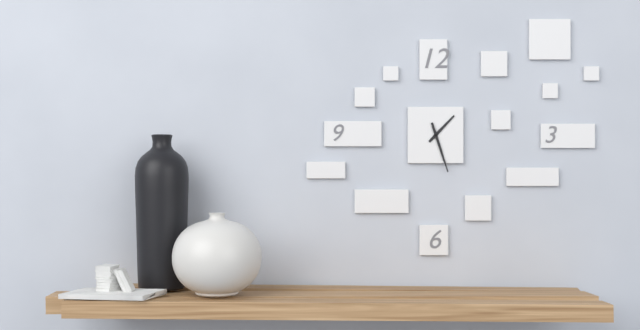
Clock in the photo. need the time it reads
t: 1:27
